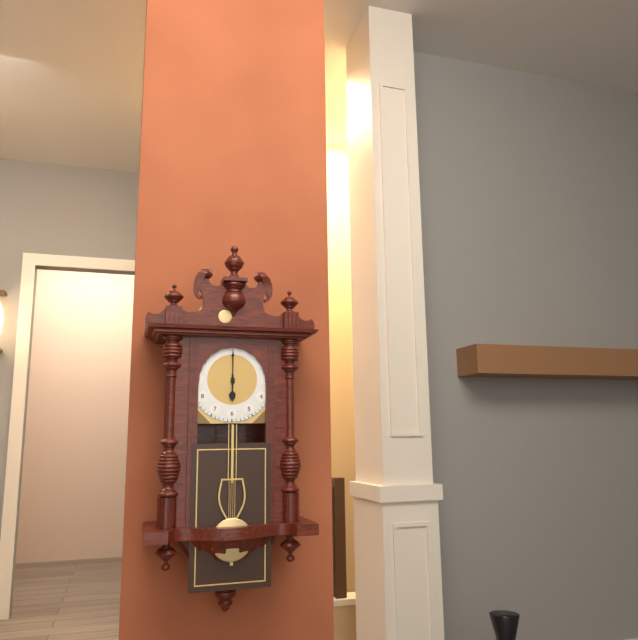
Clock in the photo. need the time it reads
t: 6:00
